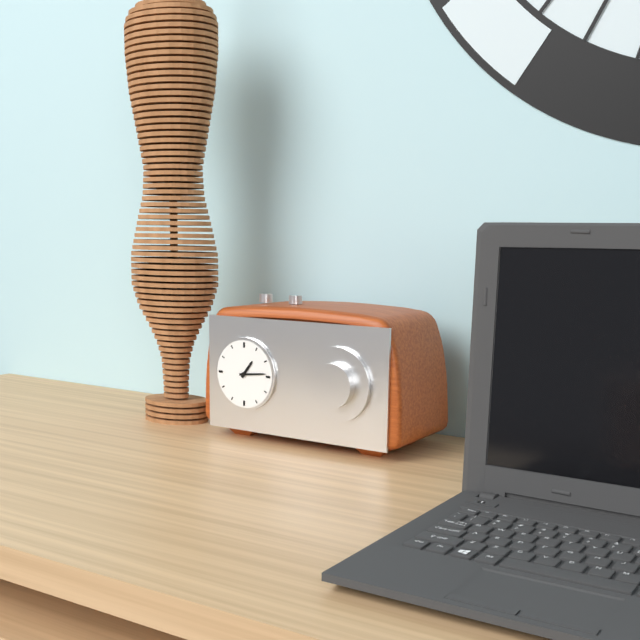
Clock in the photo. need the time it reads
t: 1:14
